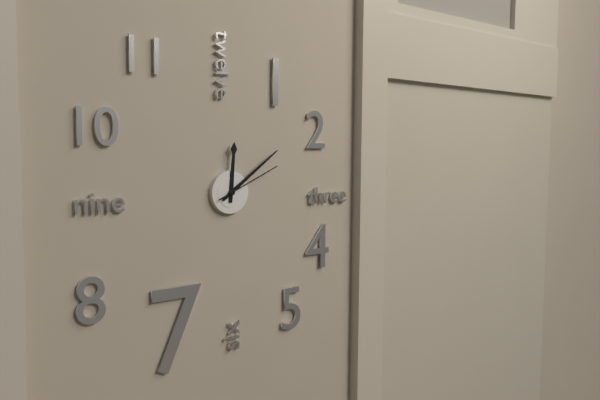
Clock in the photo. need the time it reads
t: 12:09:11
